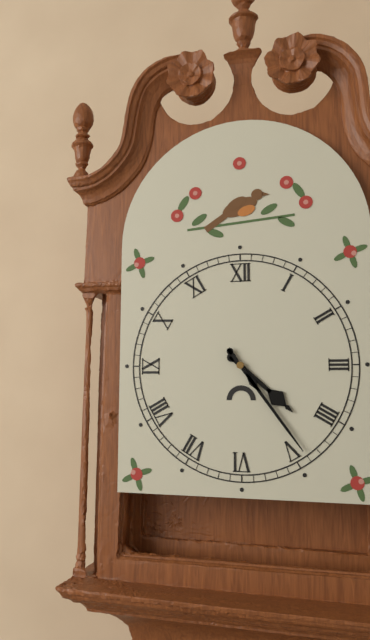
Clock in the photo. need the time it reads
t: 4:24
